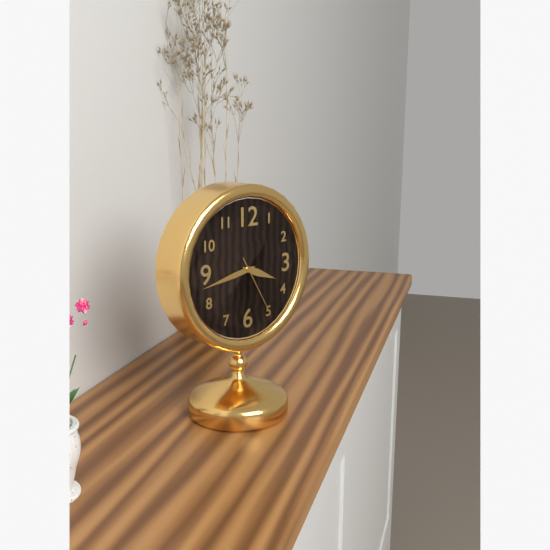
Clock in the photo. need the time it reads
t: 3:43:25
